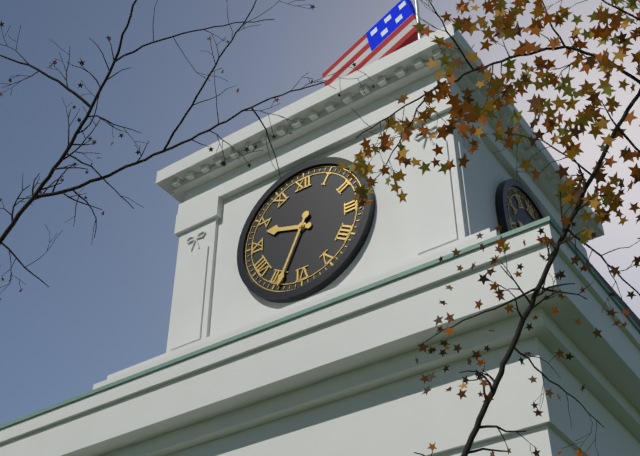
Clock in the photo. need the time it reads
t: 9:34
